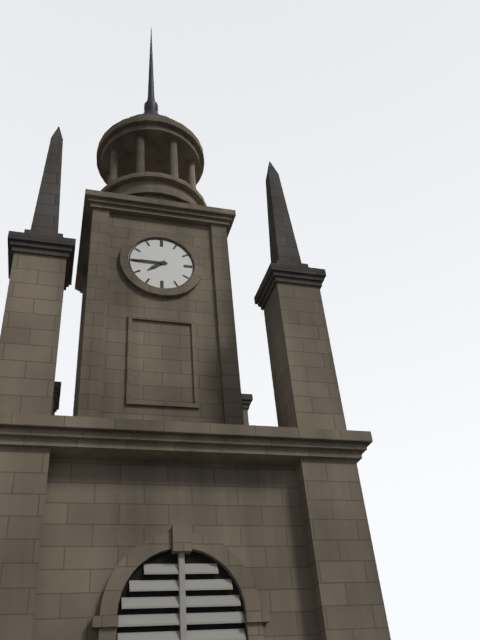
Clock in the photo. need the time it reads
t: 7:45
